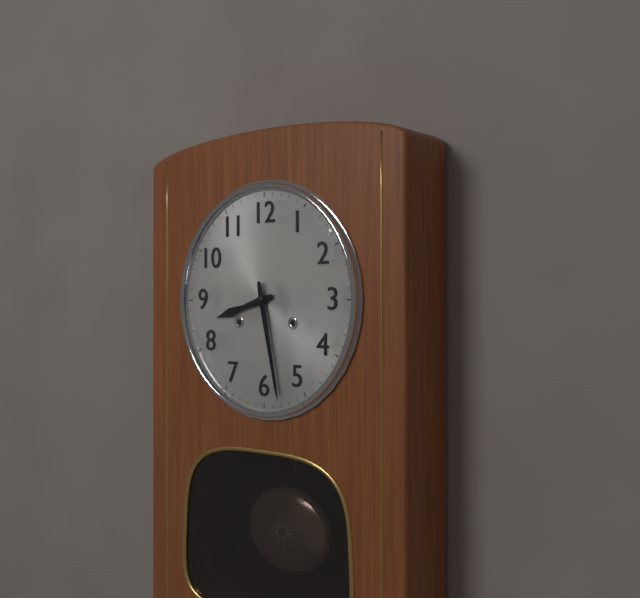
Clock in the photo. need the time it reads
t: 8:28
